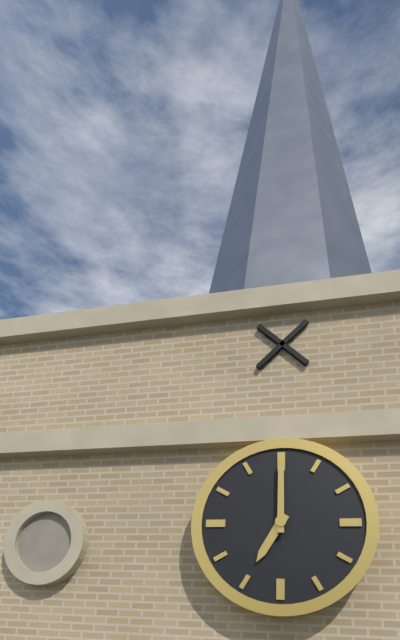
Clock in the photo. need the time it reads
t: 7:00
